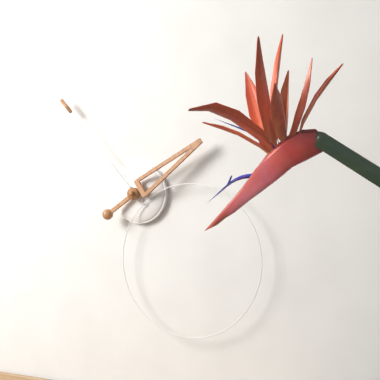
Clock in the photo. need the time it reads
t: 1:53
